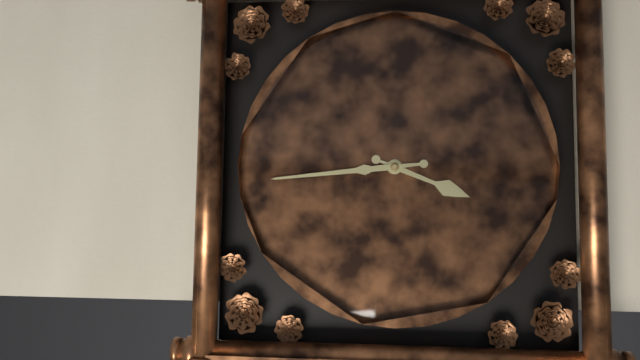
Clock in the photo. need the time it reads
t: 3:44
